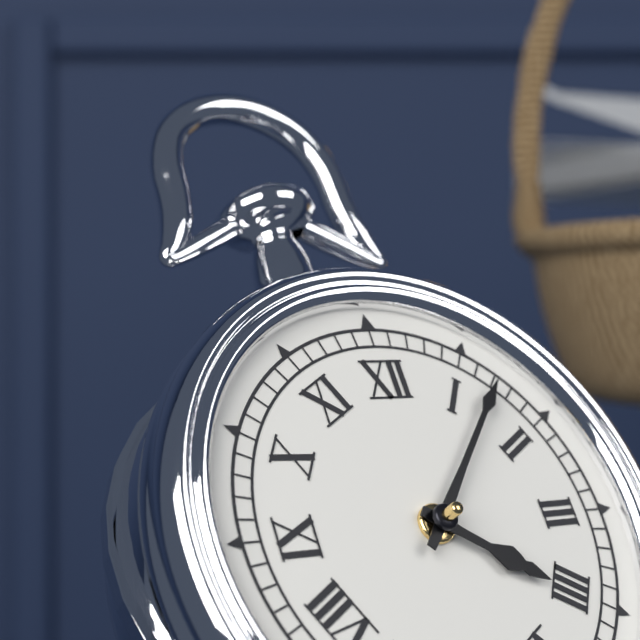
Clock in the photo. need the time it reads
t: 4:07
